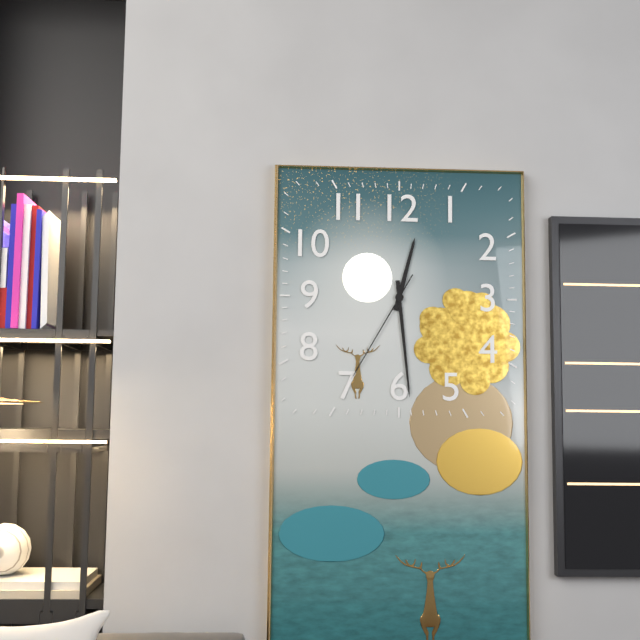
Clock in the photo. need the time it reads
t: 12:29:35
